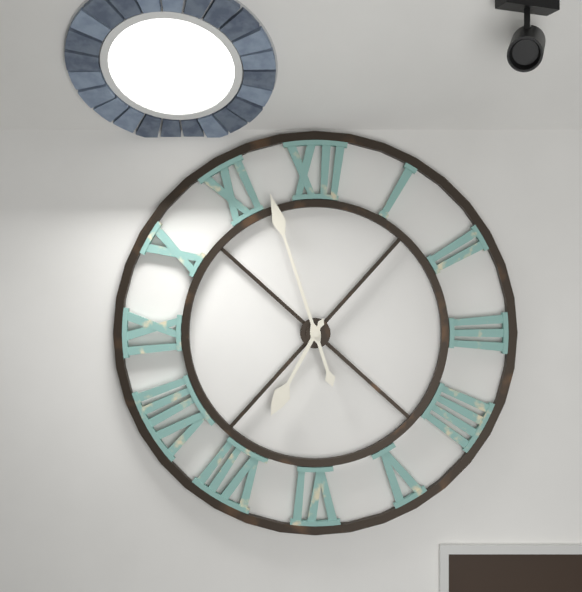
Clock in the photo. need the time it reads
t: 6:57
